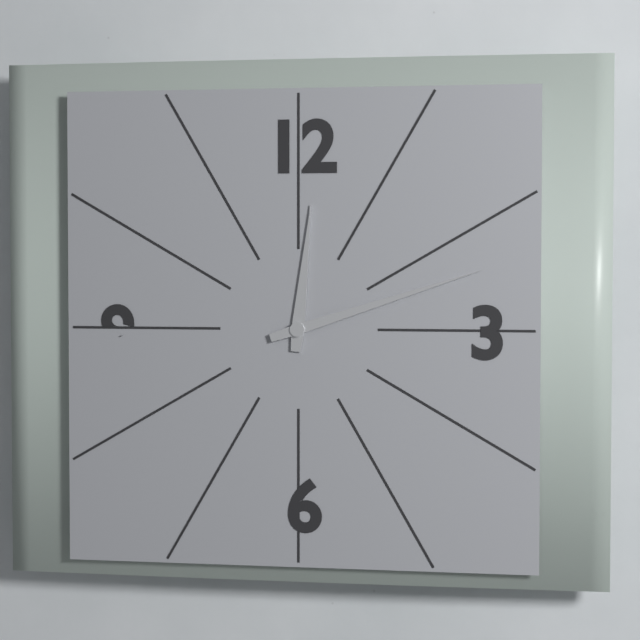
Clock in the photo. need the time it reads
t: 12:12
